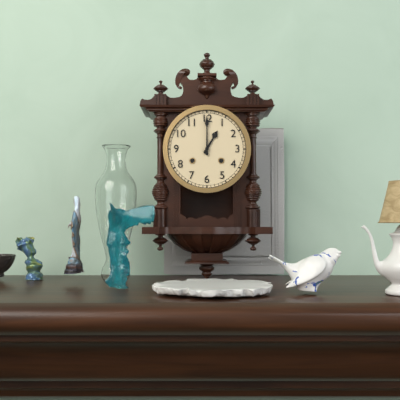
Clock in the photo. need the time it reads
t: 1:00
